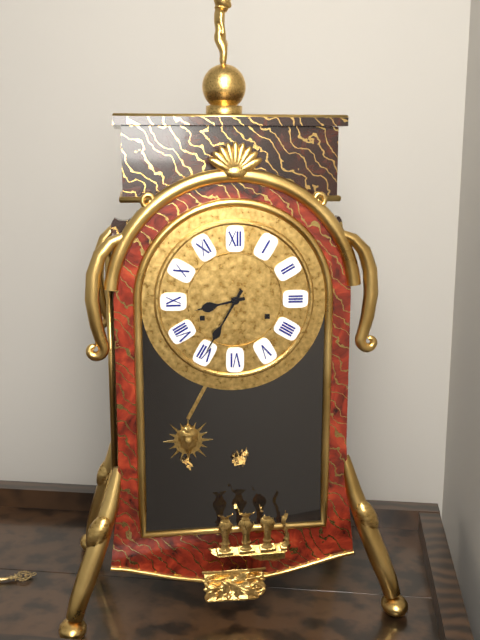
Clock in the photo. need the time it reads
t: 8:35
